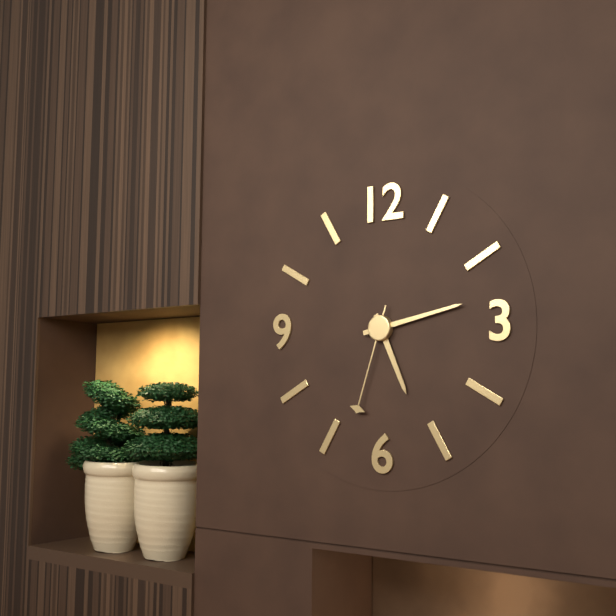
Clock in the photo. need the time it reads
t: 5:13:33
